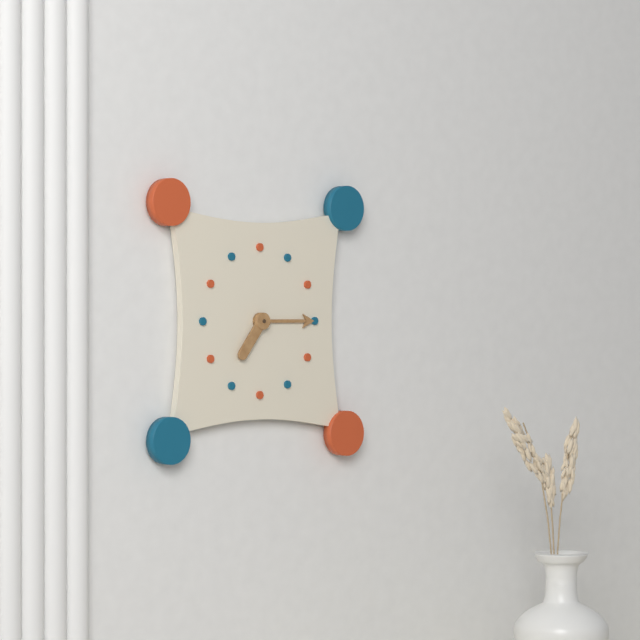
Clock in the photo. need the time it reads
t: 7:15
